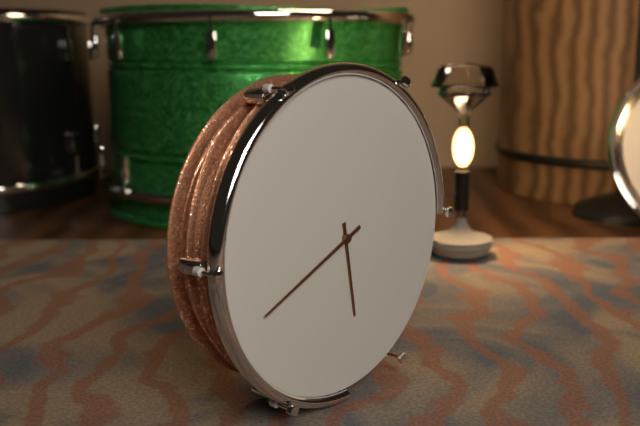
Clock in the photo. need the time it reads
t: 5:41
